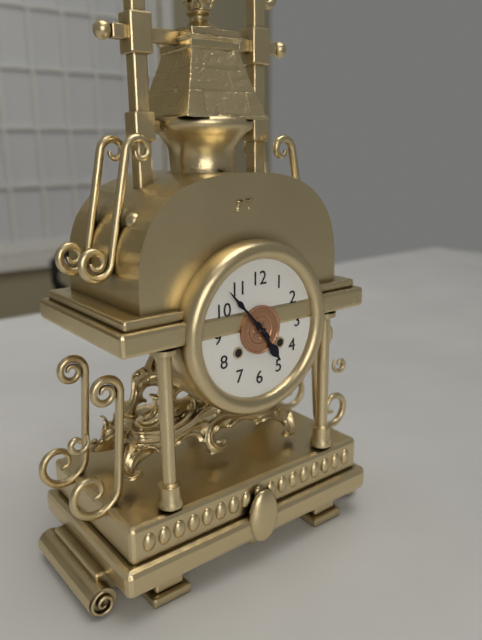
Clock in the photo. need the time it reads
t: 4:53
